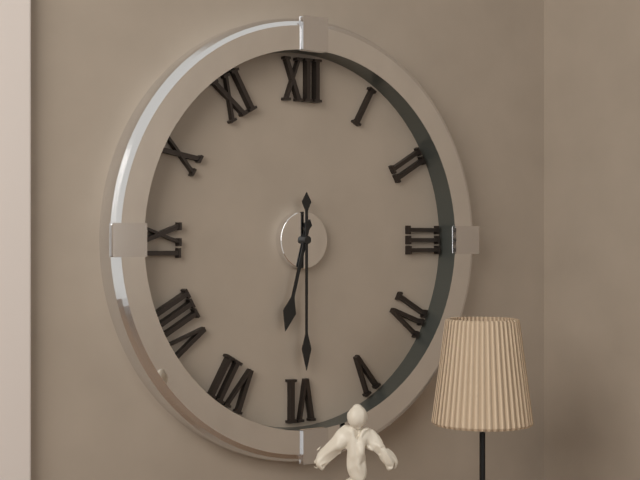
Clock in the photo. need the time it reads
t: 6:30
